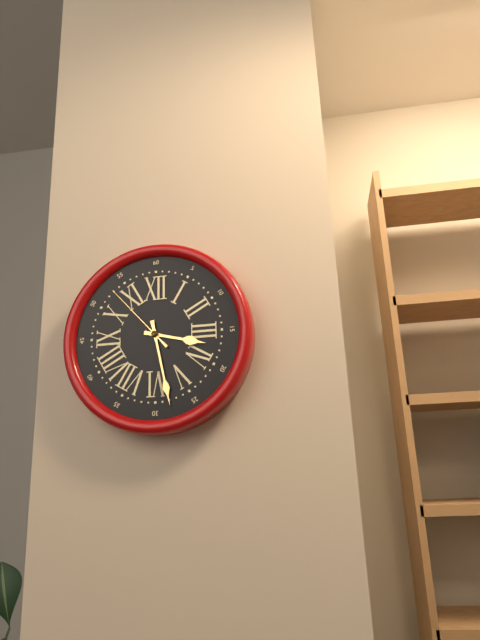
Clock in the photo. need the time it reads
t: 3:28:53
